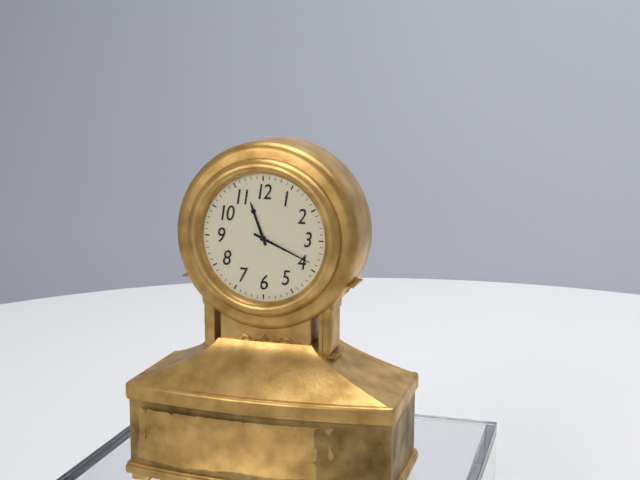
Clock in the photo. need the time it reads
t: 11:19
